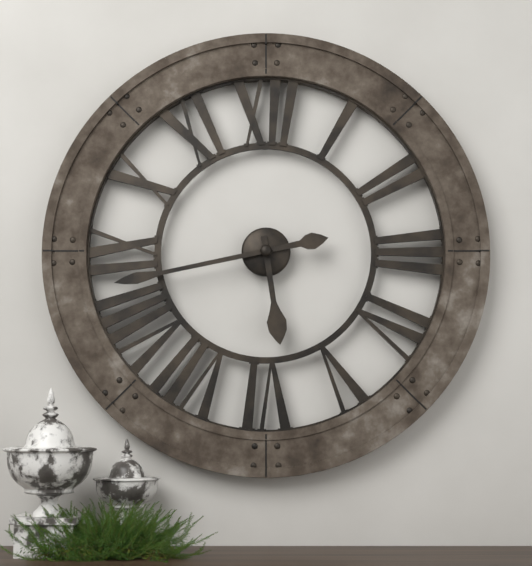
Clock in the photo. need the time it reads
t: 5:43
